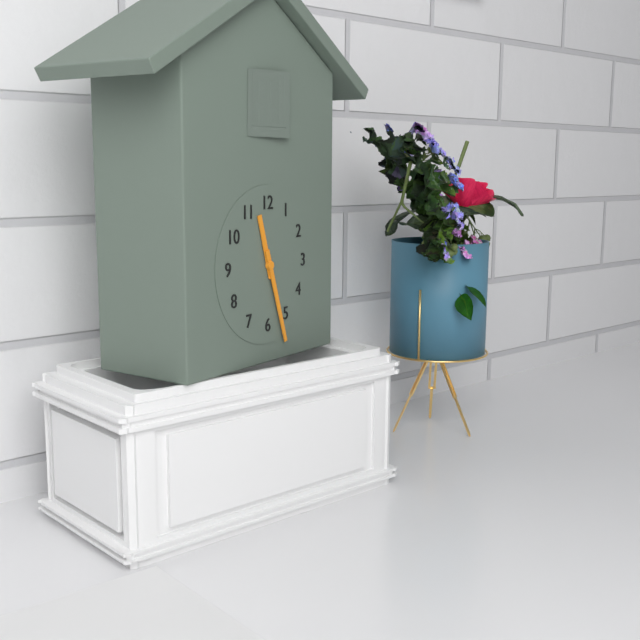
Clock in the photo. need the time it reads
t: 11:27
